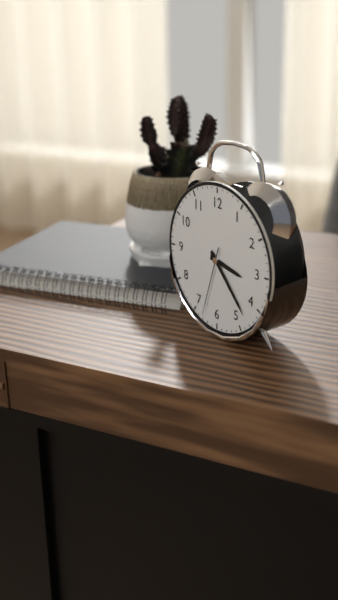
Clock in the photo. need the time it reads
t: 3:23:33
